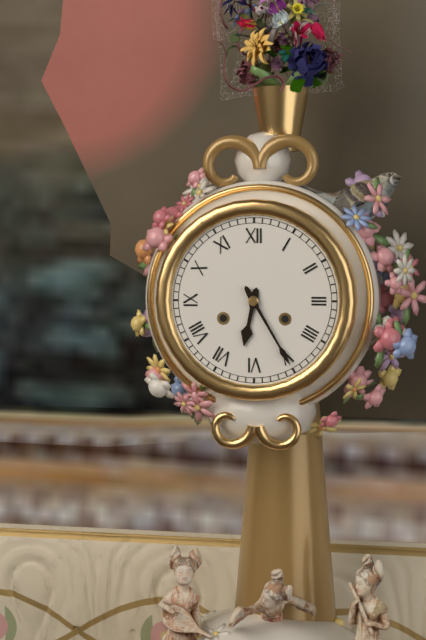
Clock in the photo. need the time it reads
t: 6:25
